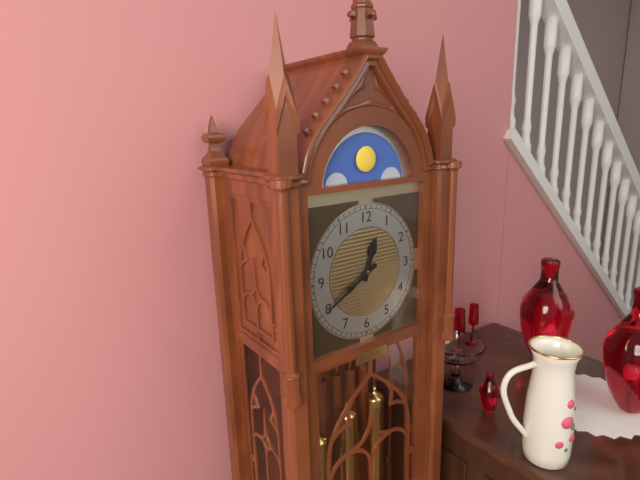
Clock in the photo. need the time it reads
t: 12:40
